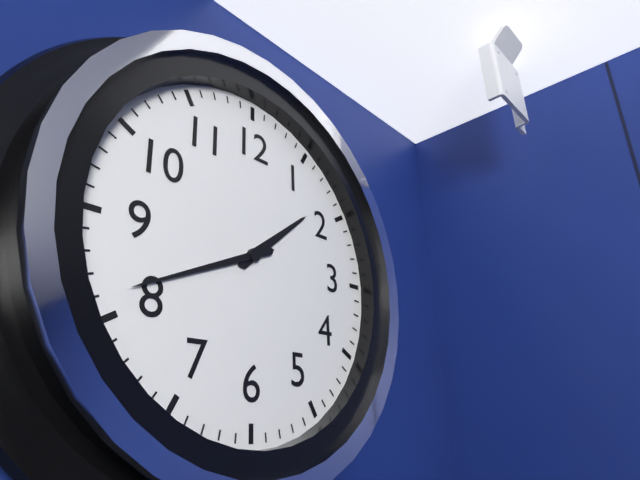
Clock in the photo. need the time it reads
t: 1:41
